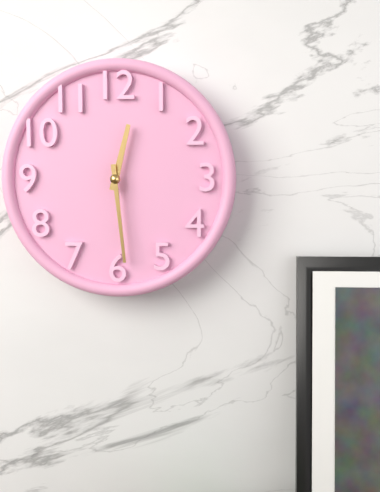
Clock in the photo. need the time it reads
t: 12:29
